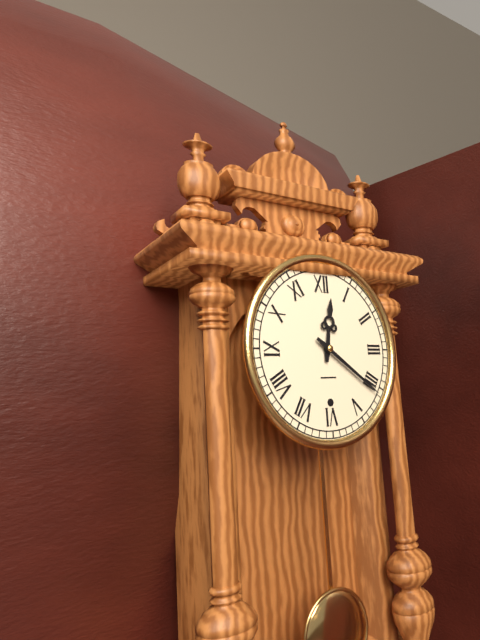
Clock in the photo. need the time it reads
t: 12:21
